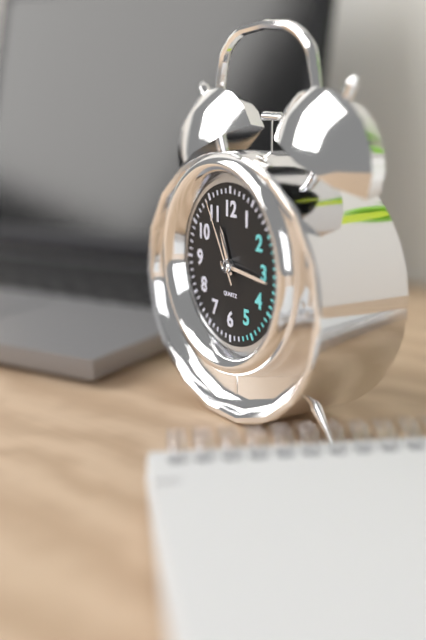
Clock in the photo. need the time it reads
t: 11:16:55
